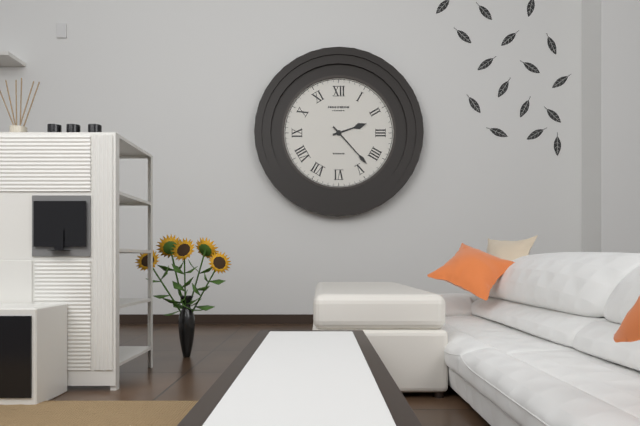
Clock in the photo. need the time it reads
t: 2:23
